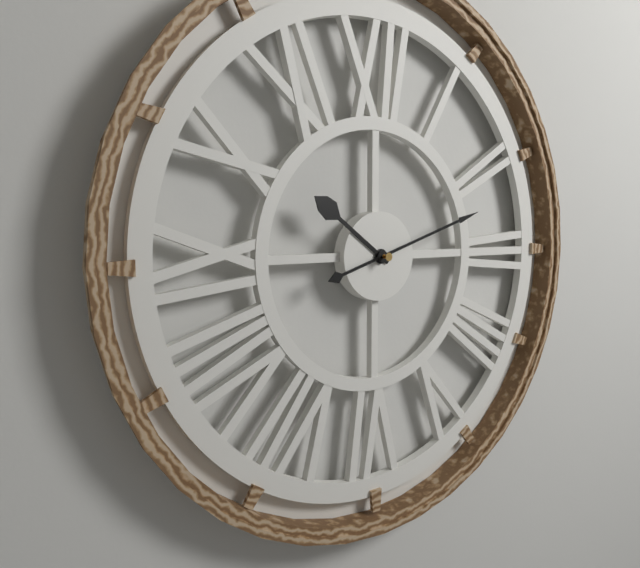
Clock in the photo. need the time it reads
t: 10:12
